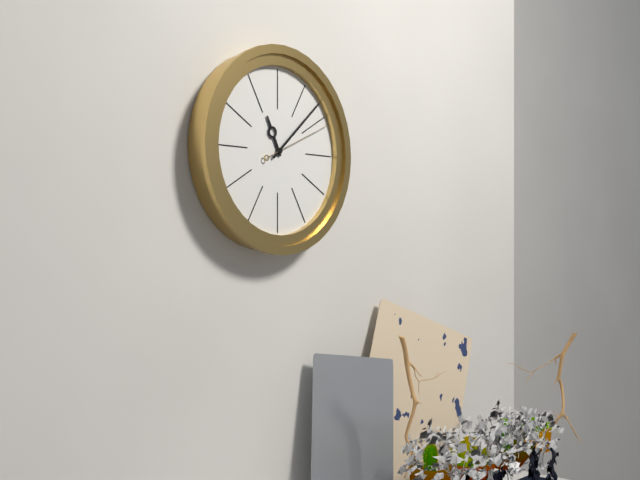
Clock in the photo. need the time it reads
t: 11:08:11
